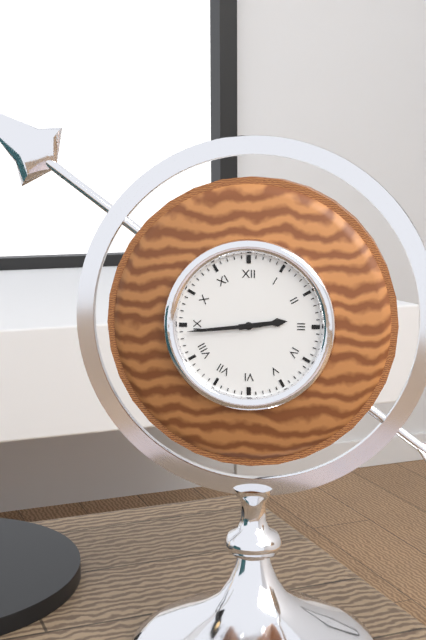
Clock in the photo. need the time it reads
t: 2:44
